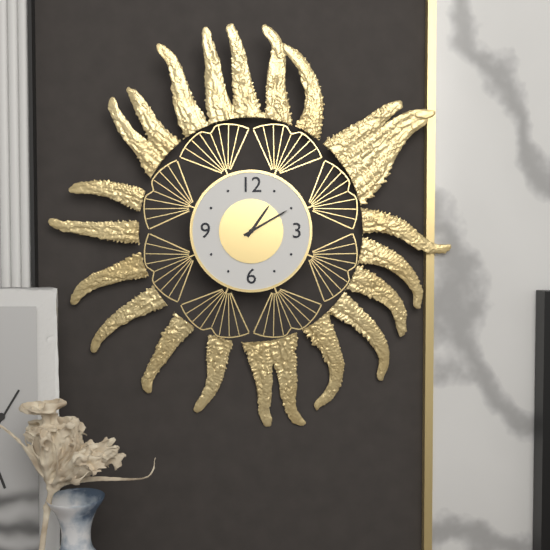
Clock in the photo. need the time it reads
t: 1:10
